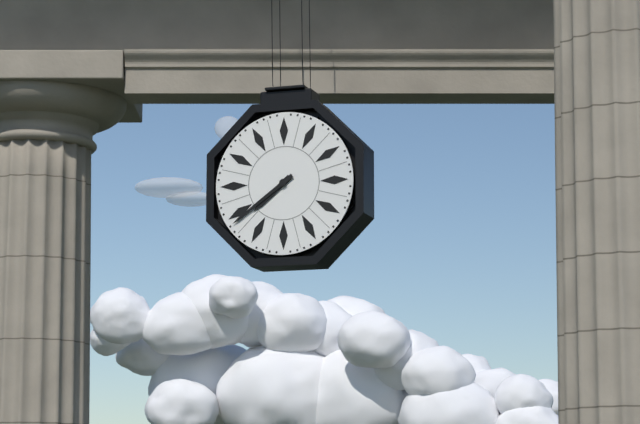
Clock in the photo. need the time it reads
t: 7:39
